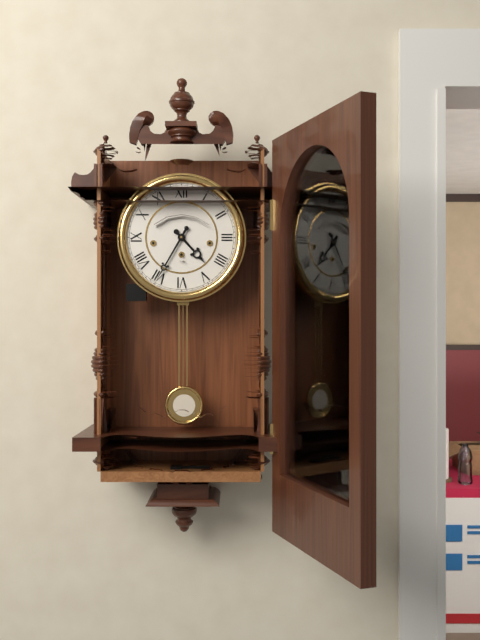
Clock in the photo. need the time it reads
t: 4:35
